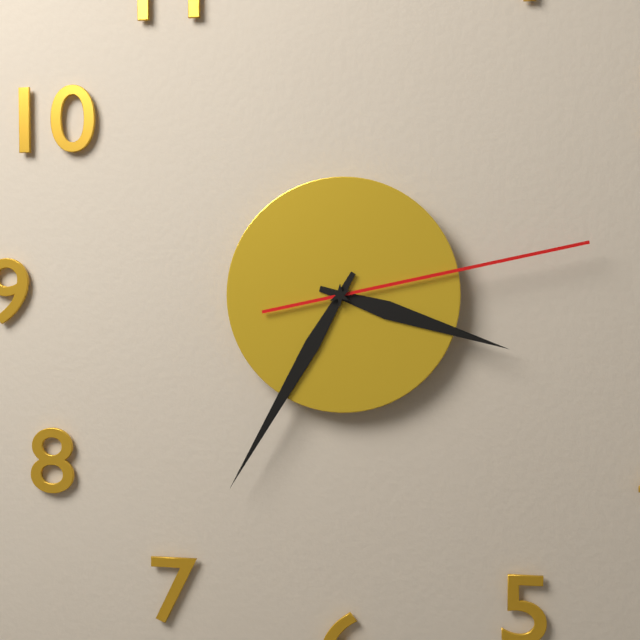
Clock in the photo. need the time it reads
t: 3:35:13
